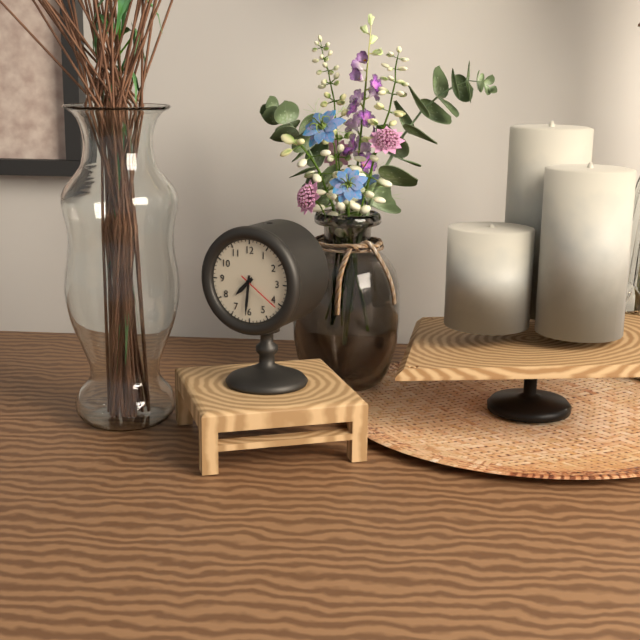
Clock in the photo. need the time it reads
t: 7:31
